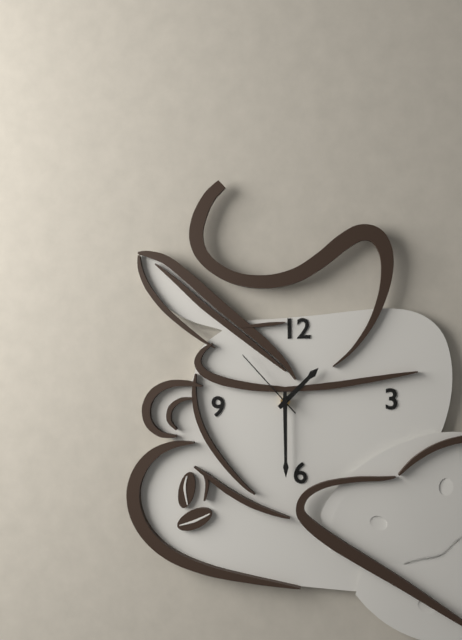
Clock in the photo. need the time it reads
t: 1:30:53
